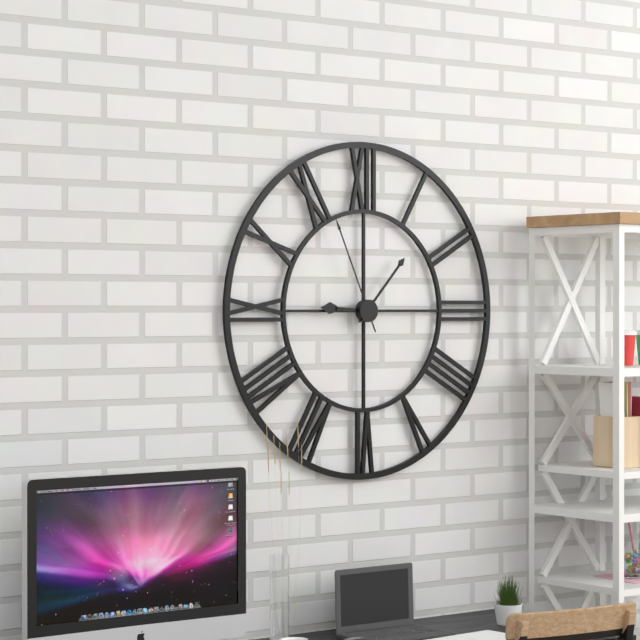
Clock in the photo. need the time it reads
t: 9:07:56
